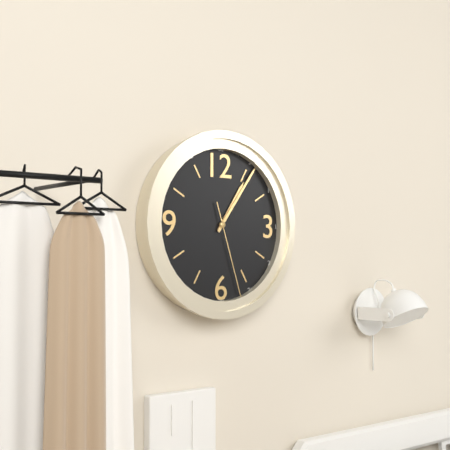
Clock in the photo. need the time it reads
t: 1:06:27
